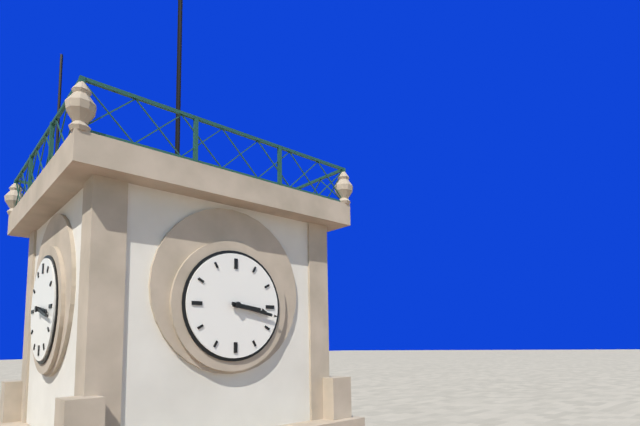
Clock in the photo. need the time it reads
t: 3:17
